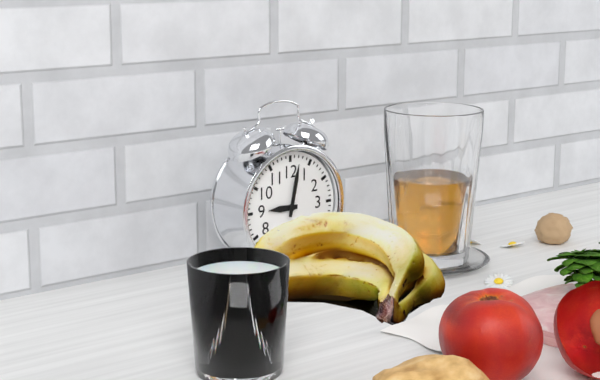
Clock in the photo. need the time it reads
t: 9:02
